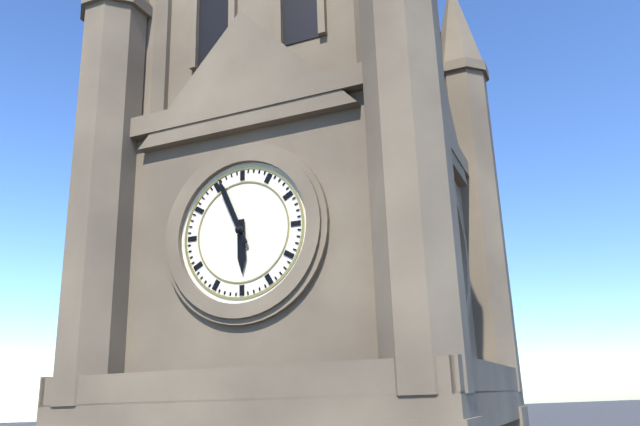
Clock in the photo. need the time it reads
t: 5:56
